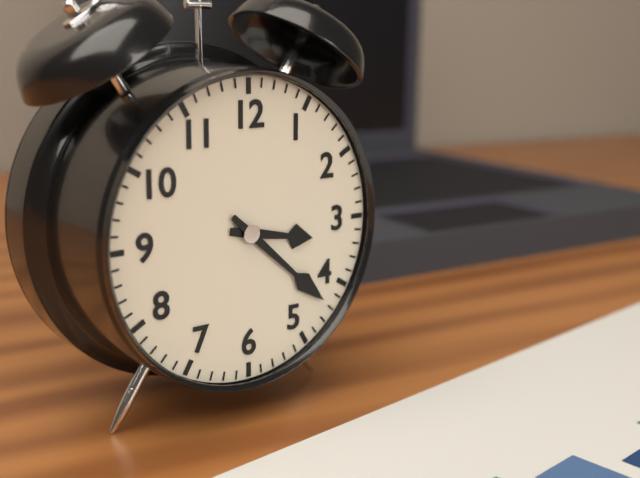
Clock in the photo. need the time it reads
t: 3:22
